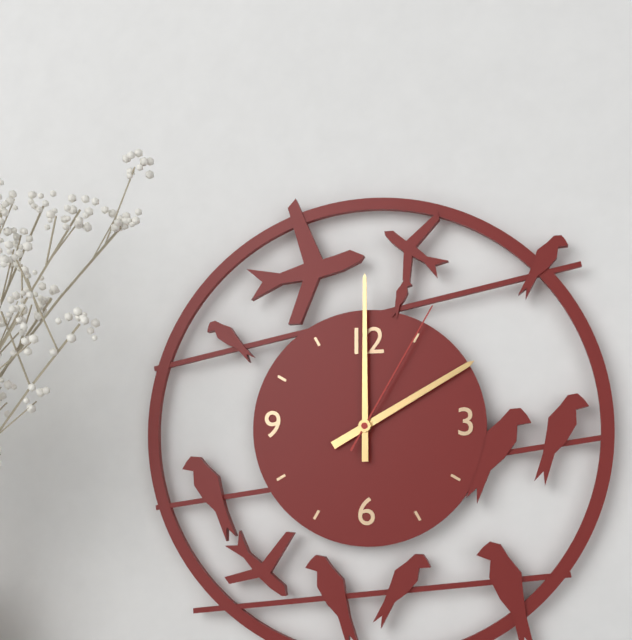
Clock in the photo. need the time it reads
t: 2:00:05
